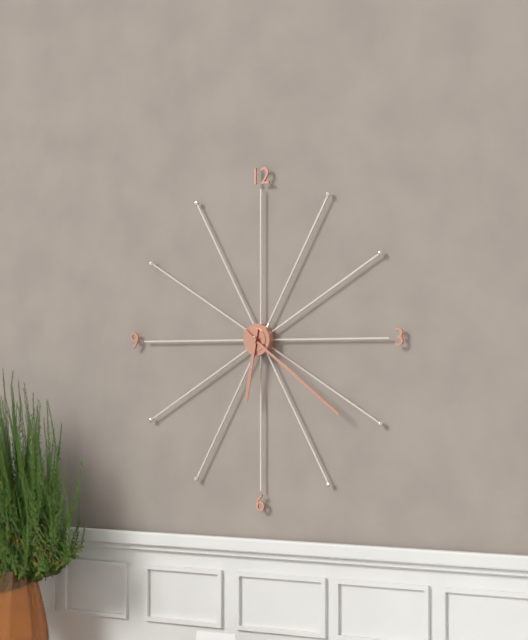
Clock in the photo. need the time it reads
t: 6:21
